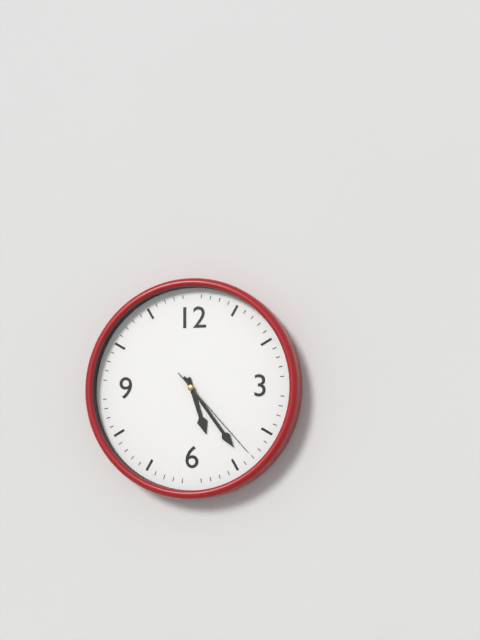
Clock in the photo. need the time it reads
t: 5:24:23
